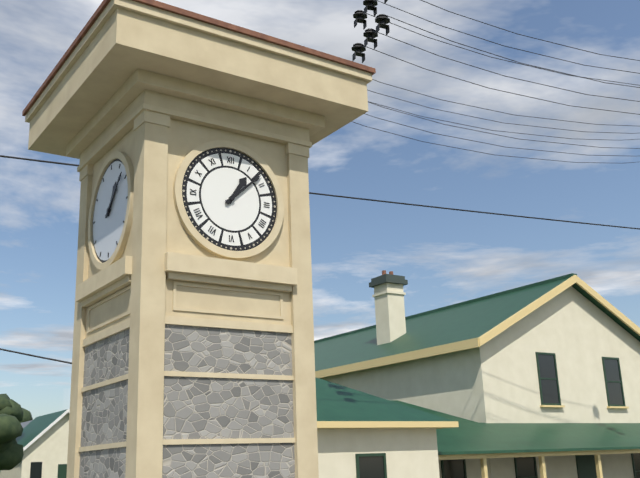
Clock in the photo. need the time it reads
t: 1:08
